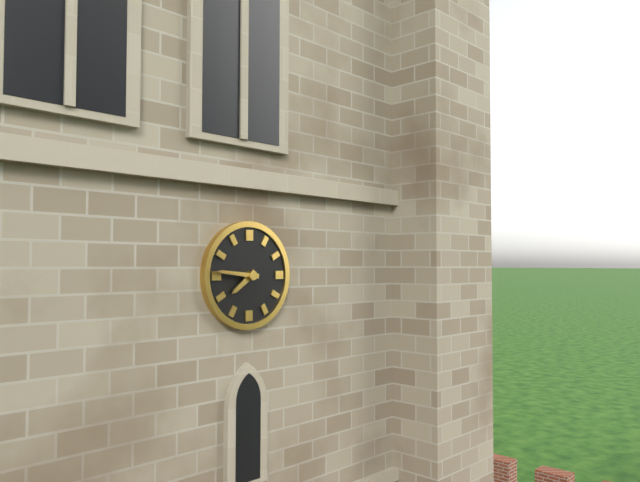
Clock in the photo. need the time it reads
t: 7:46
